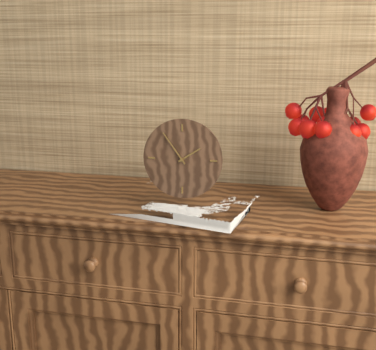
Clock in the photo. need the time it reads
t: 1:54
